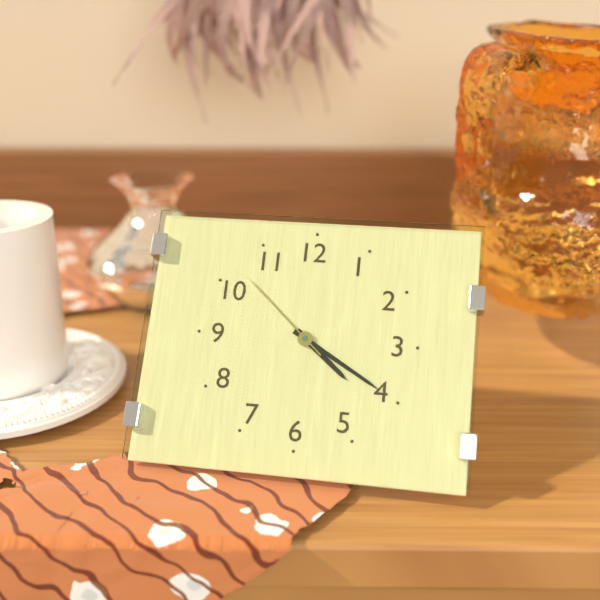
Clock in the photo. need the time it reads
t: 4:20:52
